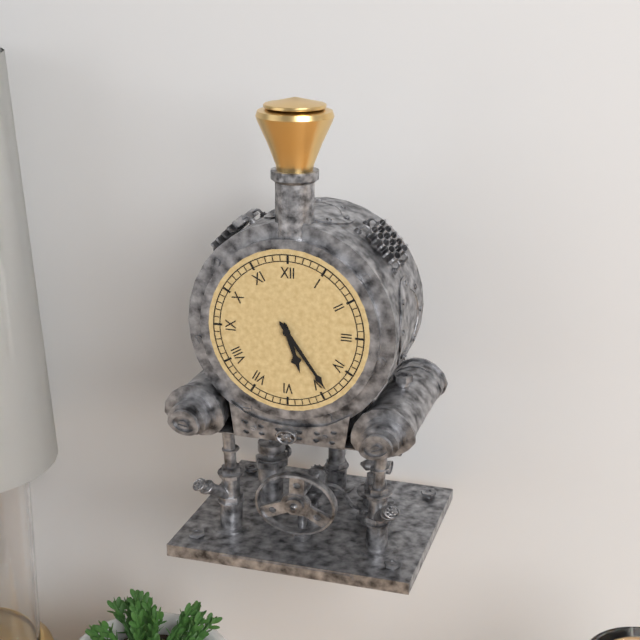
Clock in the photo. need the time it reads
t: 5:24
